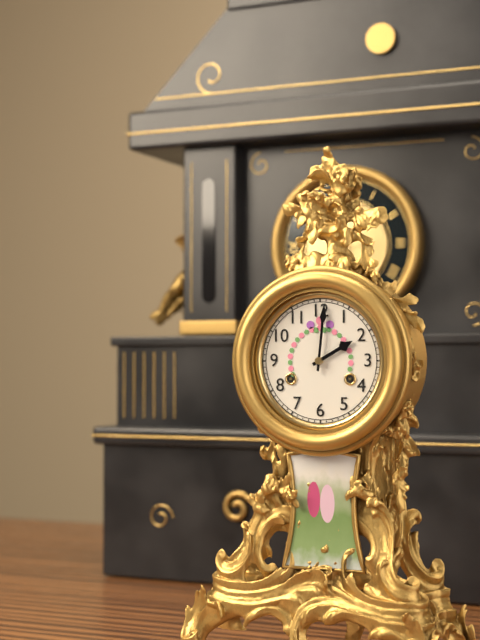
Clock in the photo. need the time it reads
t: 2:01
